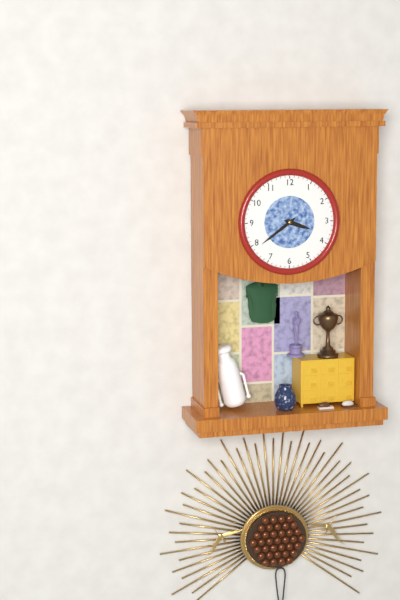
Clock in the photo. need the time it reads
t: 3:39
